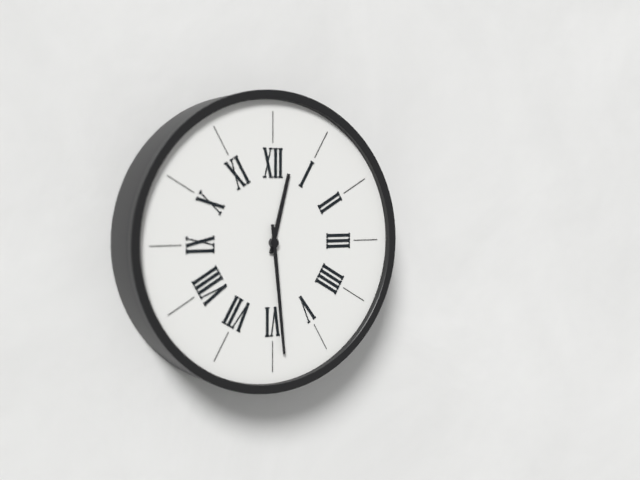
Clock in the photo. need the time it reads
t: 12:29
